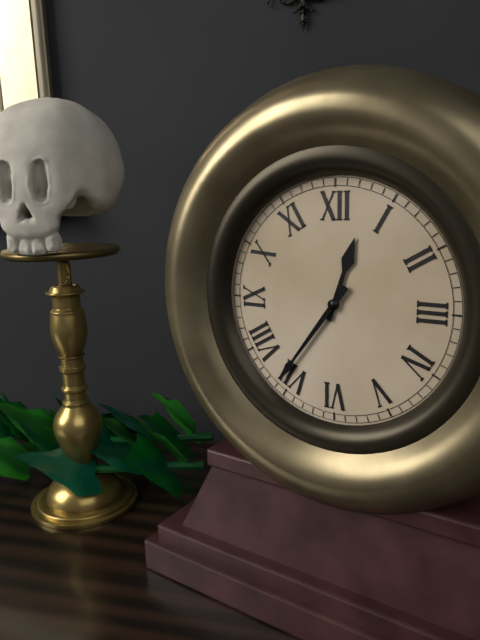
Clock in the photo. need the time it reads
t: 12:36
